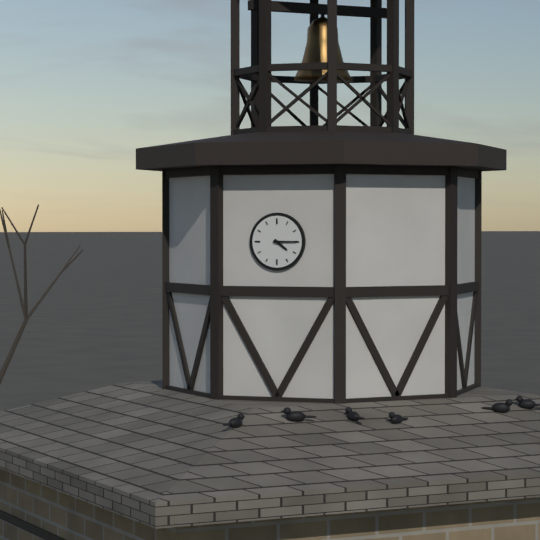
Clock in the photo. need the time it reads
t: 4:15
